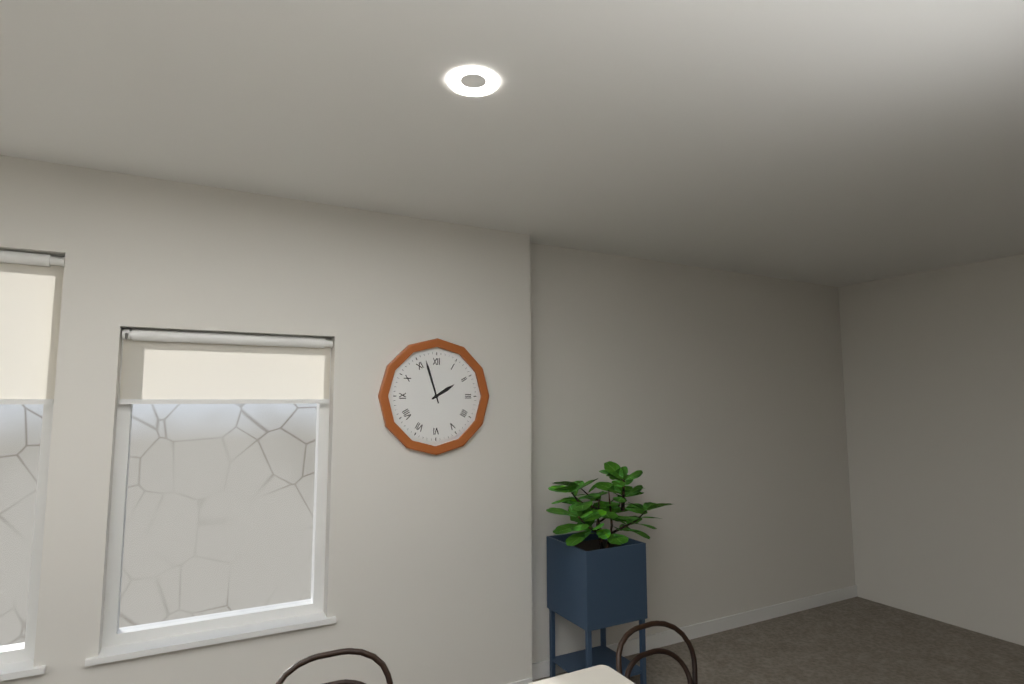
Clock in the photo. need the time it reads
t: 1:57
